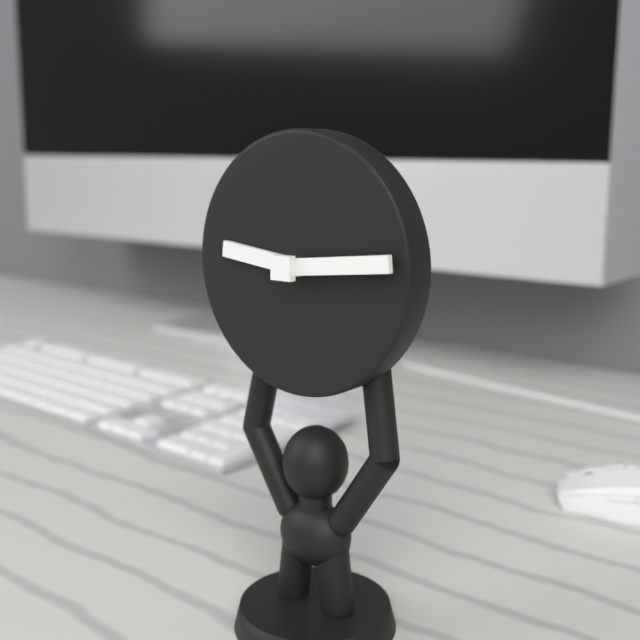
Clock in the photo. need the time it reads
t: 9:14
